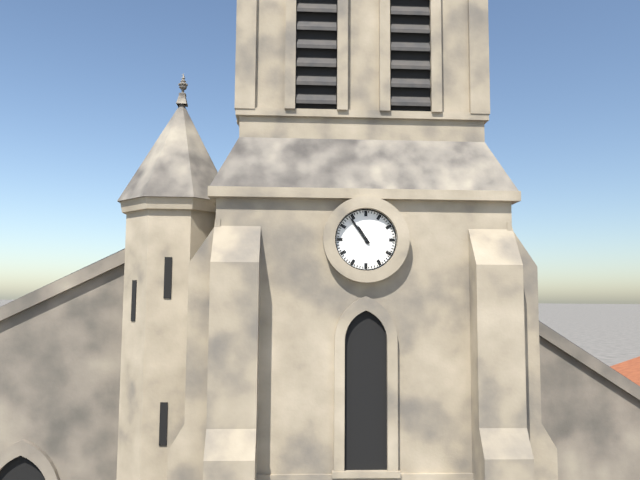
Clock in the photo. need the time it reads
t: 10:54
